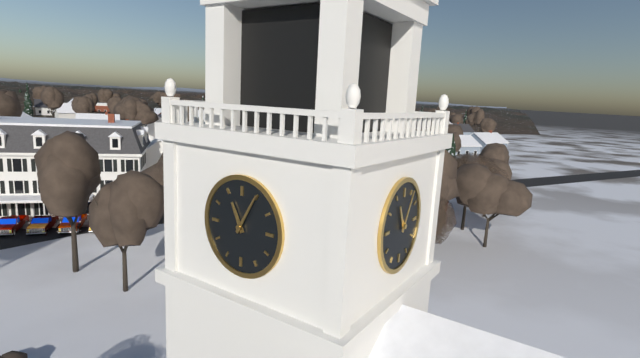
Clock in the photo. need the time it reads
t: 11:05
